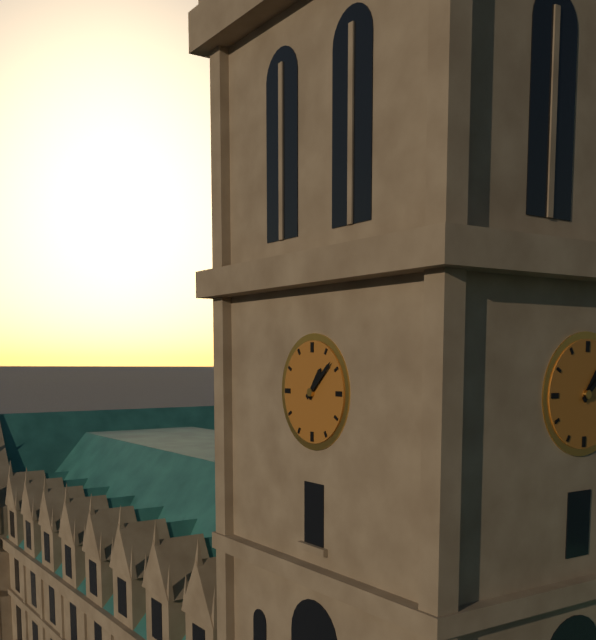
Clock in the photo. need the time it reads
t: 1:08
